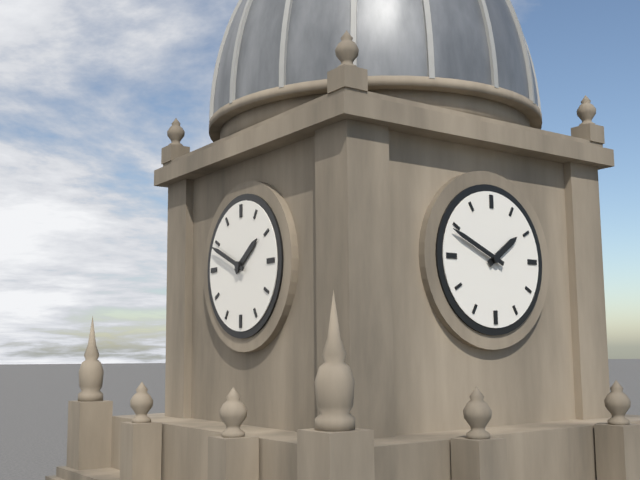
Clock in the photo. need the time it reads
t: 1:49
